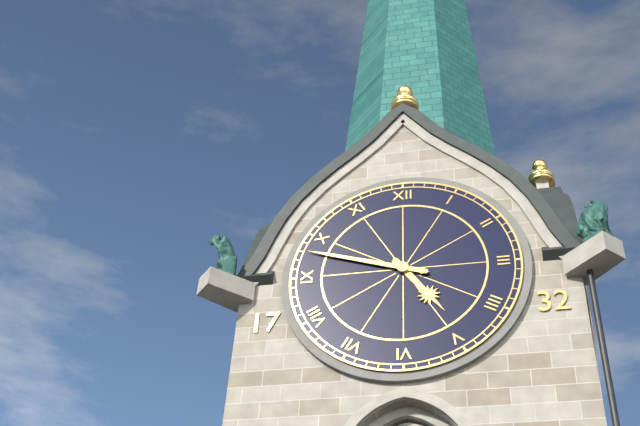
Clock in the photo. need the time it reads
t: 4:48
